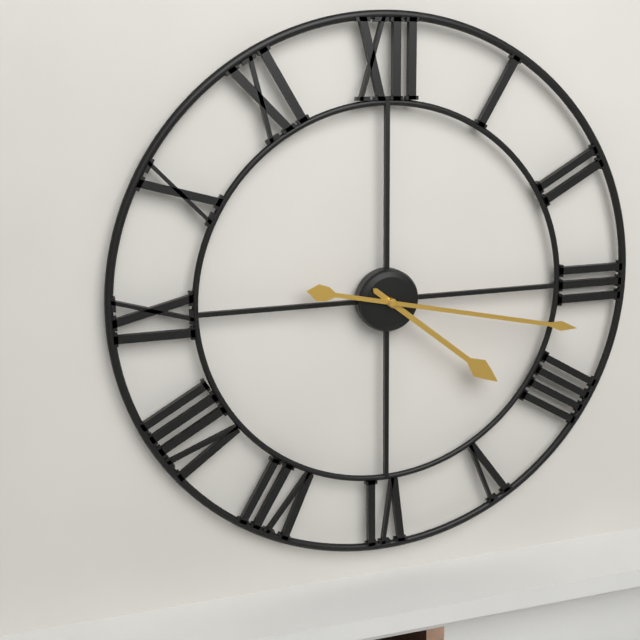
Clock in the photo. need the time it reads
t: 4:17
